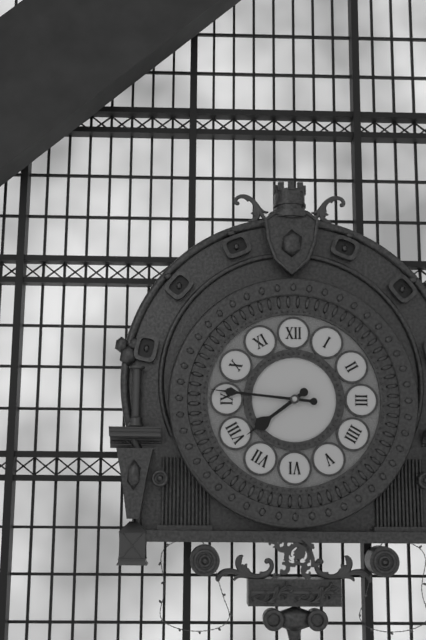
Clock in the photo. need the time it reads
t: 7:46
